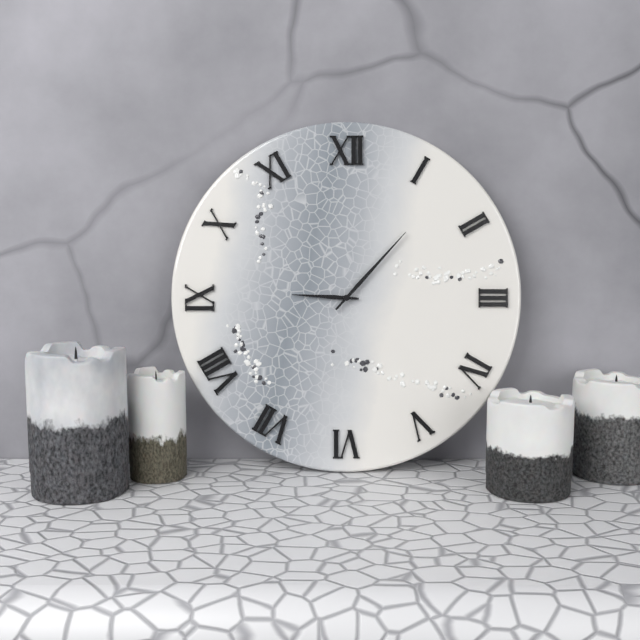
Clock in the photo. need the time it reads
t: 9:07
